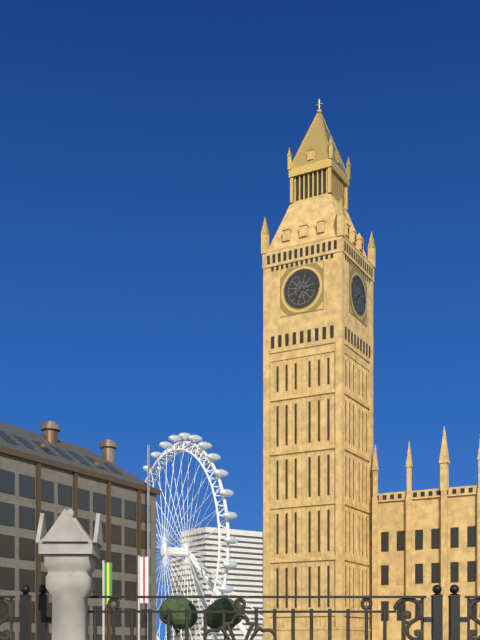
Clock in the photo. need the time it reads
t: 7:16
